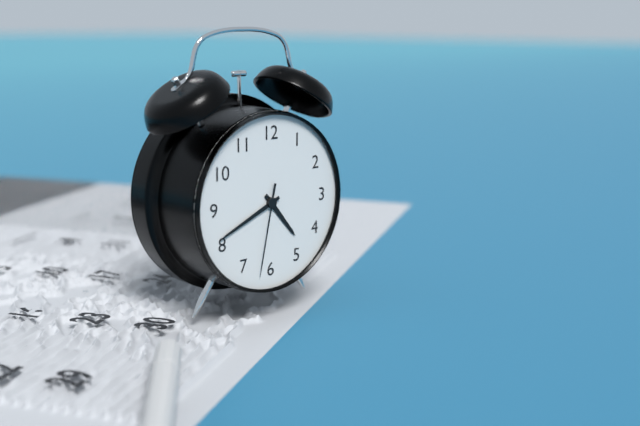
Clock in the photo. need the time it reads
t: 4:41:32
